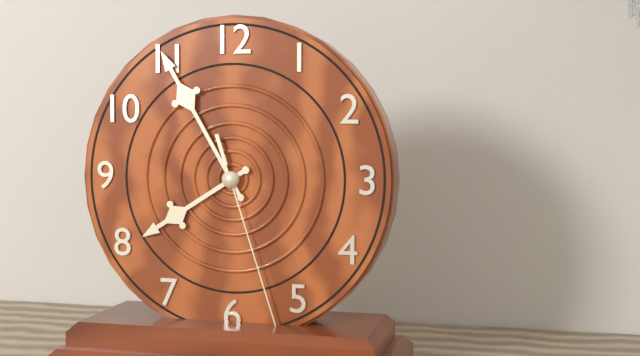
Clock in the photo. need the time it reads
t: 7:55:27
